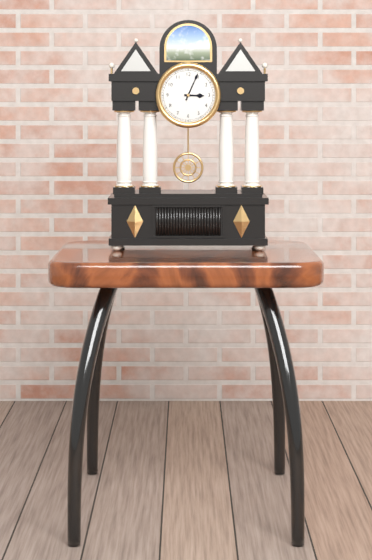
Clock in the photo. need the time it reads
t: 3:04
